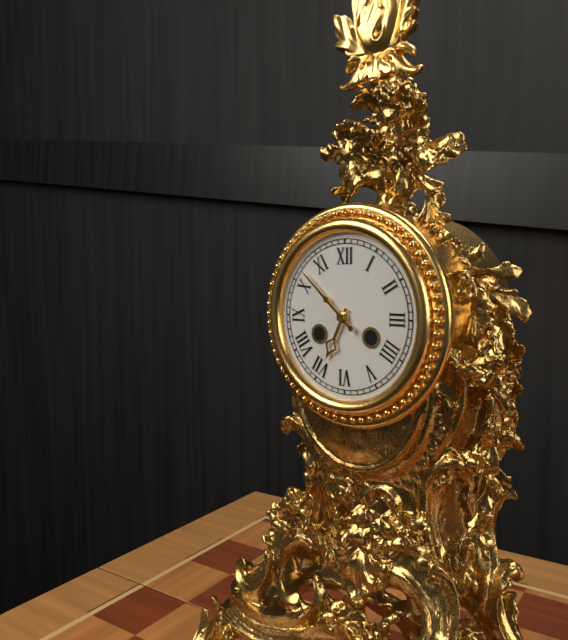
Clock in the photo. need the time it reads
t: 6:52
